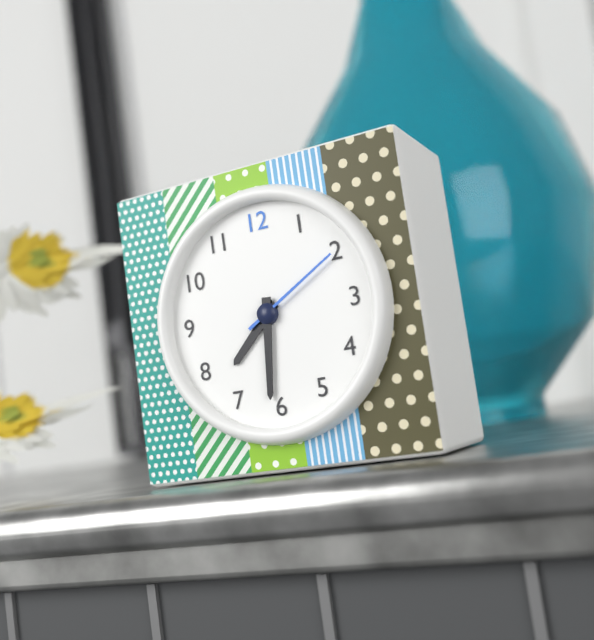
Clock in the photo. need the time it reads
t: 7:31:10
